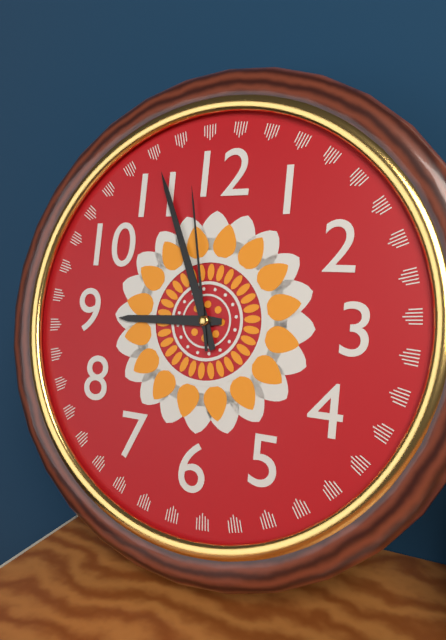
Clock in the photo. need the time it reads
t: 8:56:58
